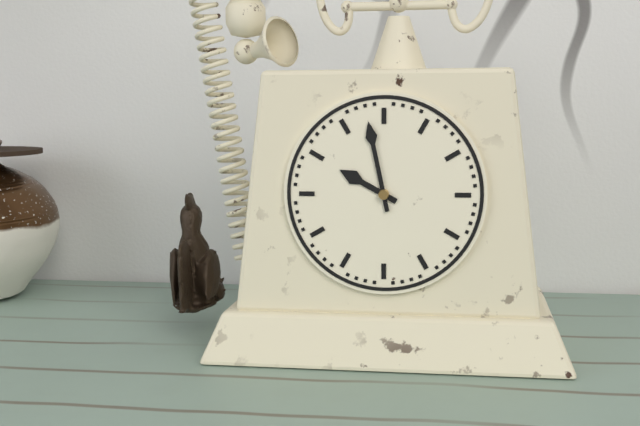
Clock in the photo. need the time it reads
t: 9:58
